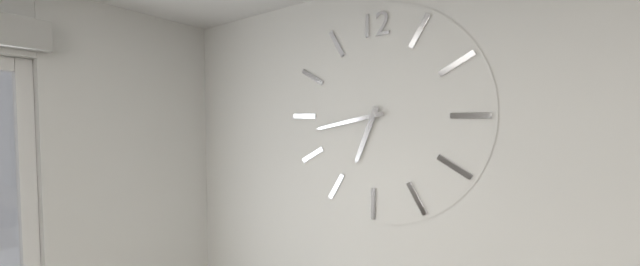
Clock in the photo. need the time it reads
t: 6:43
